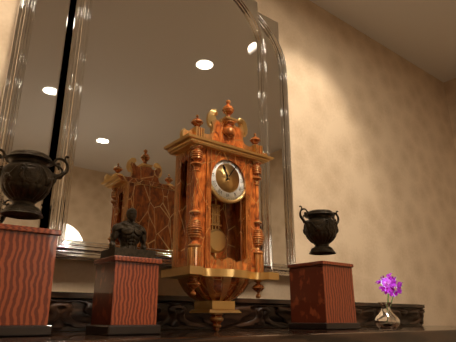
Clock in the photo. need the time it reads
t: 11:06
